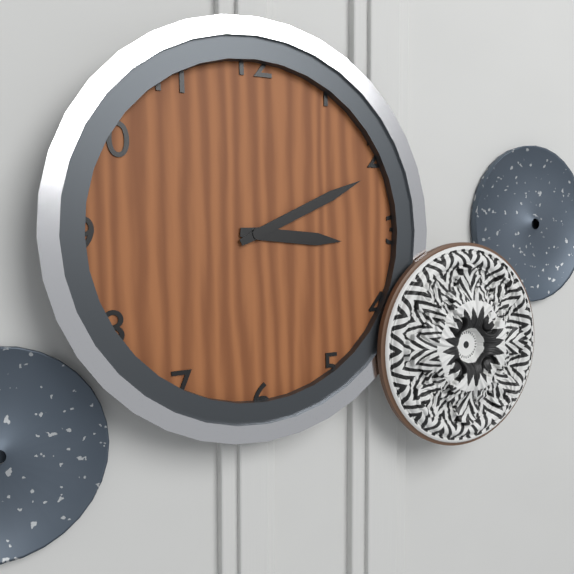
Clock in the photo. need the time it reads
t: 3:11
